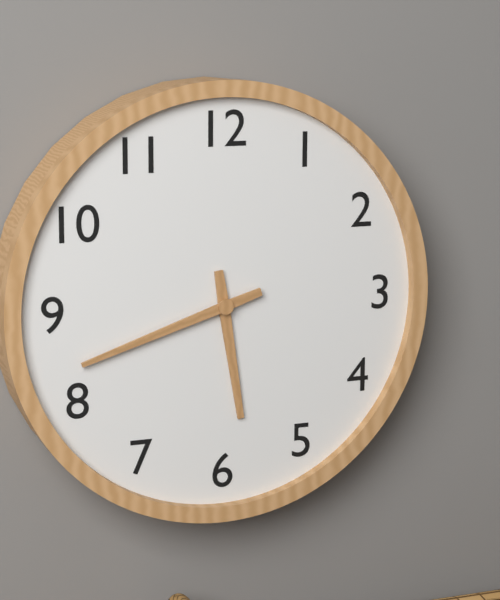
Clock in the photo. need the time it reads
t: 5:42
